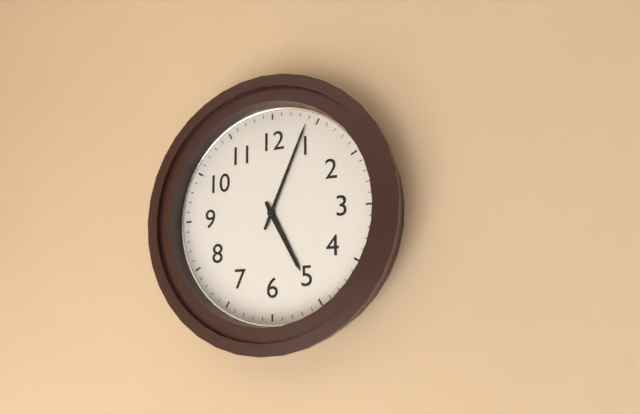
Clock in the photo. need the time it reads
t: 5:04
